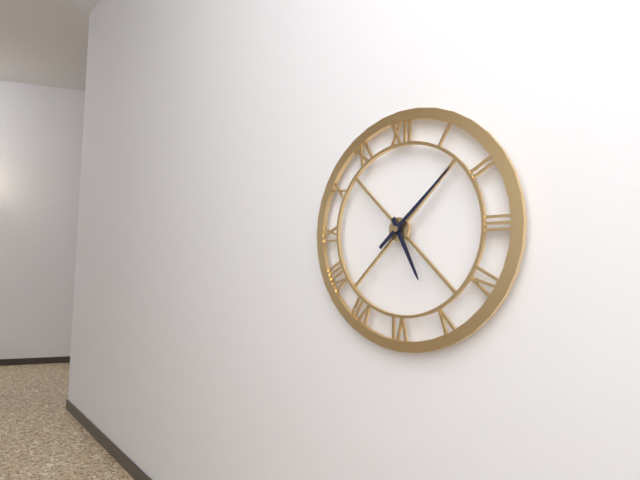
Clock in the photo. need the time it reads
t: 5:08
